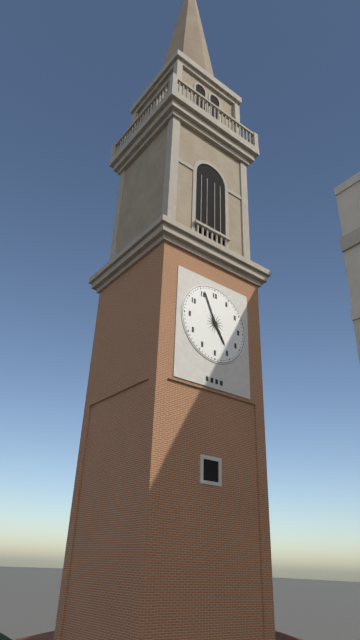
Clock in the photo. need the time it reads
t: 4:56
